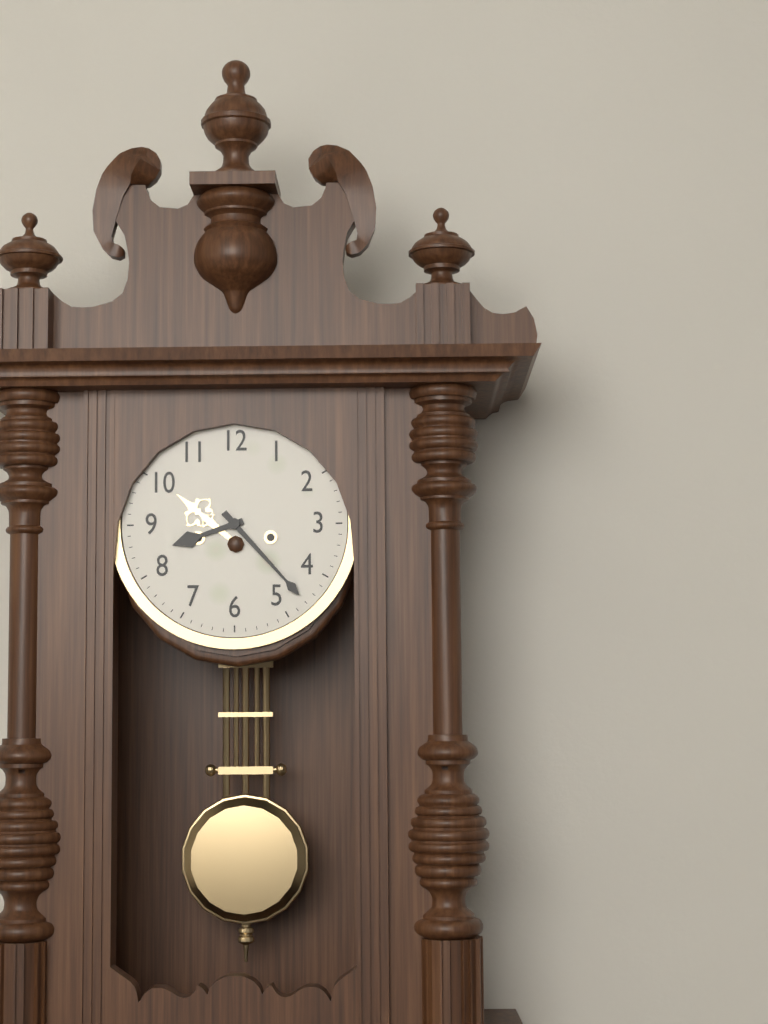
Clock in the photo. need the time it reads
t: 8:23
